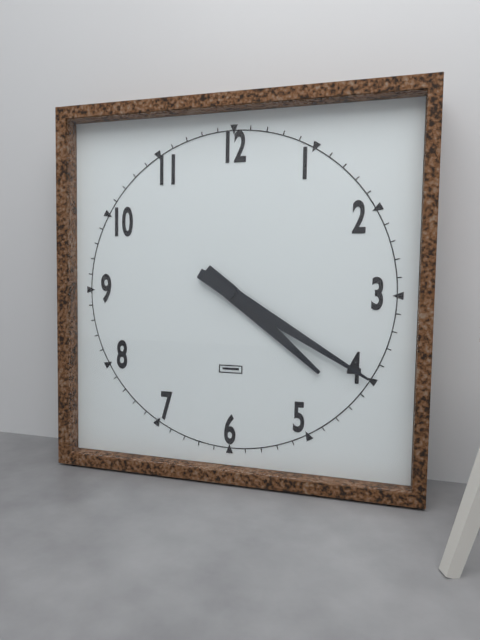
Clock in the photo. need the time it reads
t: 4:20
